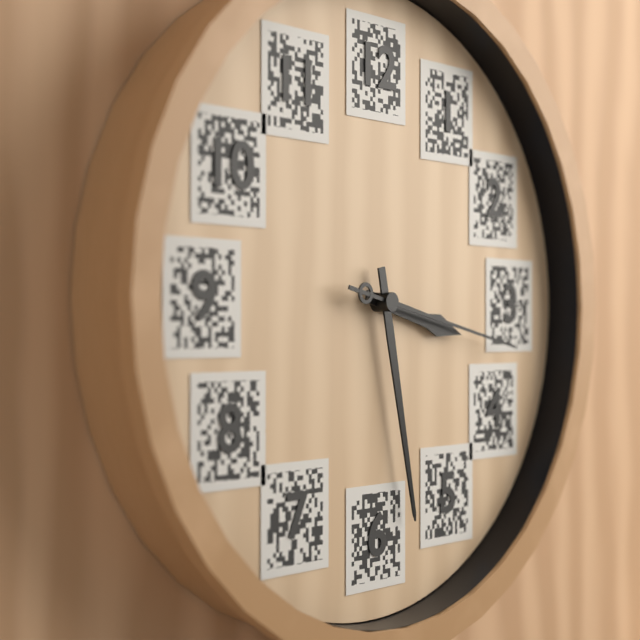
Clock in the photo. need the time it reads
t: 3:28:17
